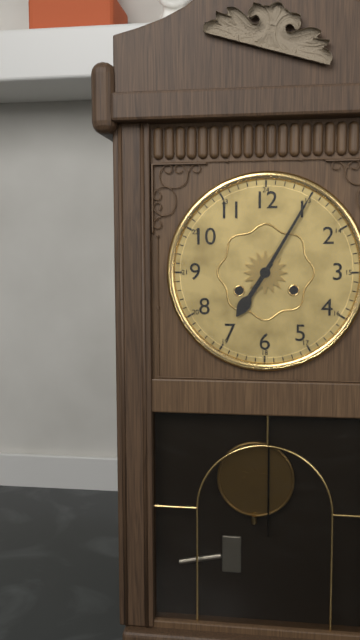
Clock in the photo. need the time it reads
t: 7:05
